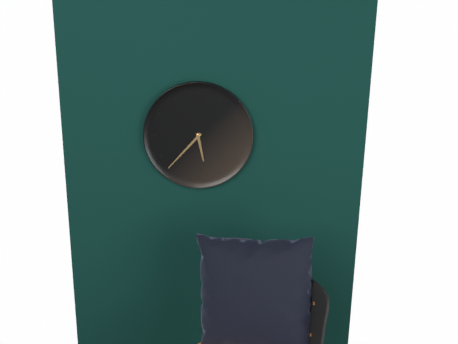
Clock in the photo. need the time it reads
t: 5:37
